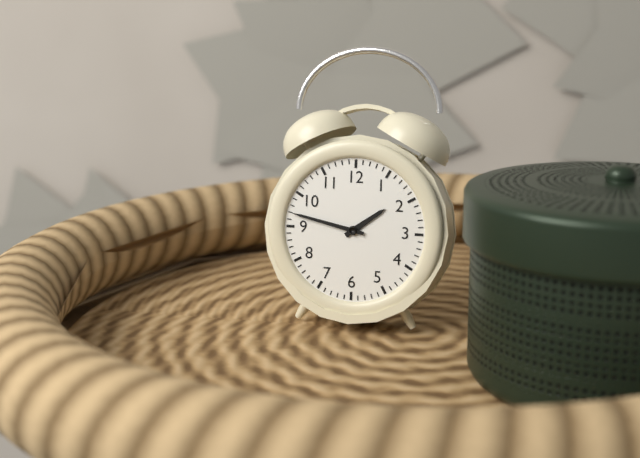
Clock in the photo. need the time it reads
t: 1:47
